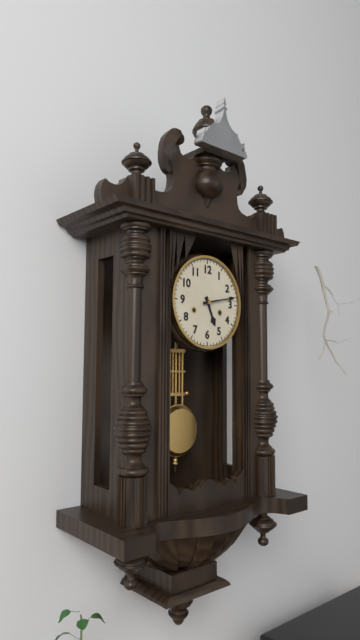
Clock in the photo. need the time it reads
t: 5:13
